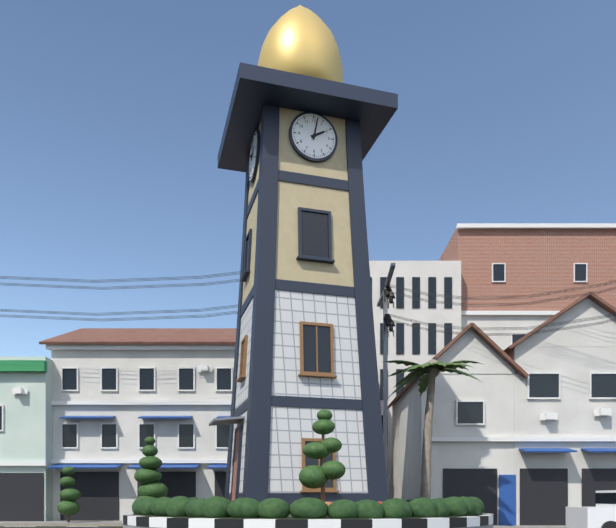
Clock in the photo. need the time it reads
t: 2:02
